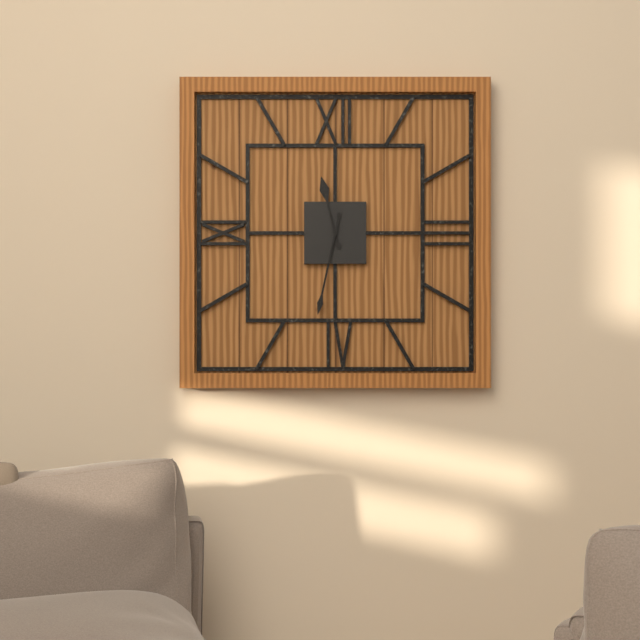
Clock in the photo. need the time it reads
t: 11:32
